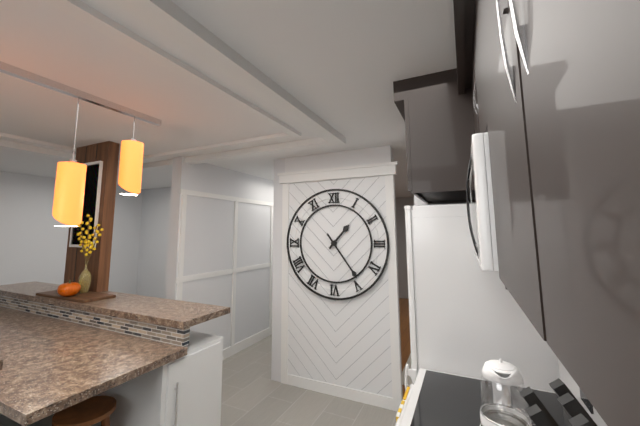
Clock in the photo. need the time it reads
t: 1:24
